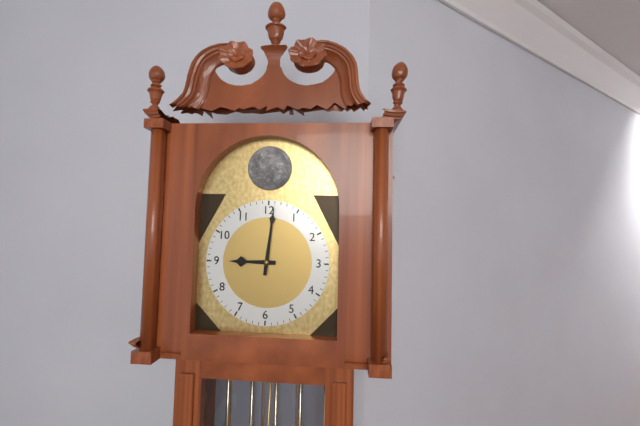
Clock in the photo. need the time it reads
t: 9:01
